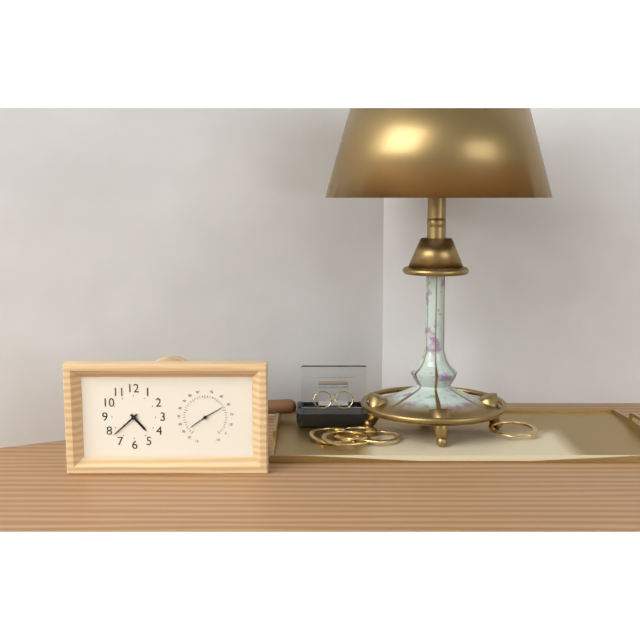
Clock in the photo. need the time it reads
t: 4:38
